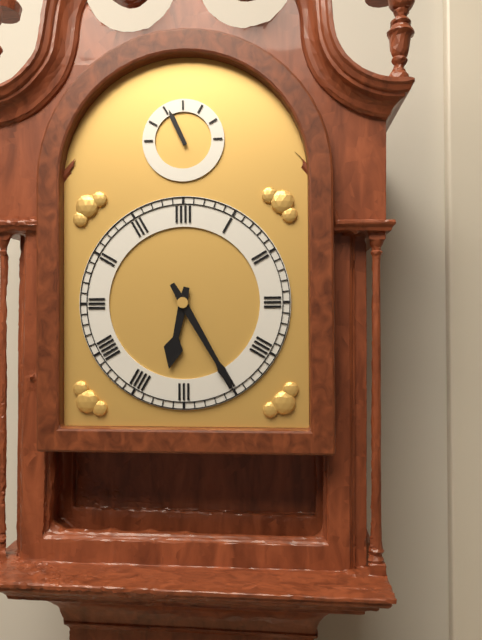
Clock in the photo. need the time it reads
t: 6:25
